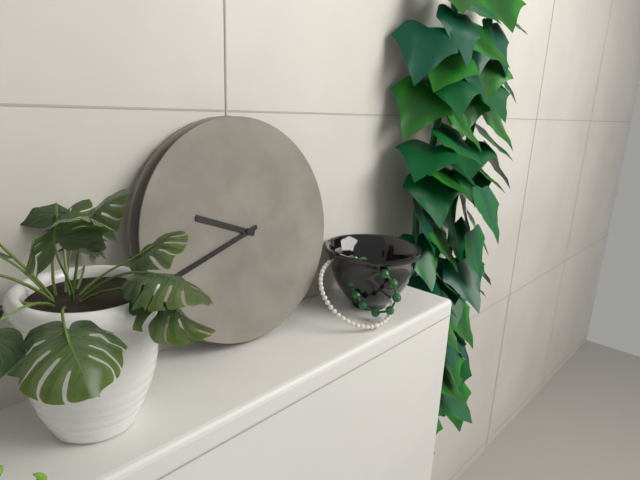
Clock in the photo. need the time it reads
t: 9:42
